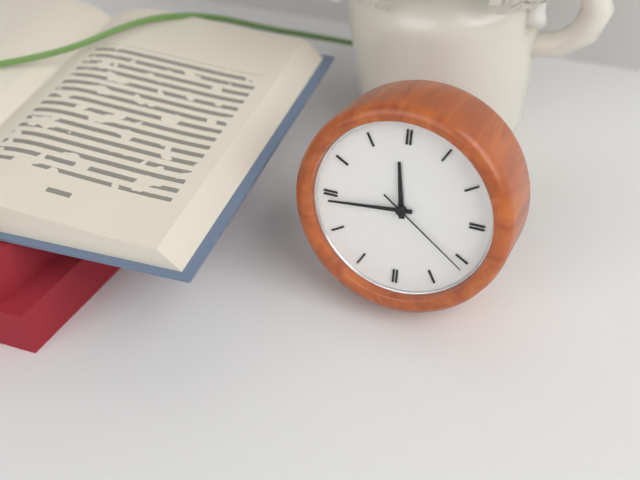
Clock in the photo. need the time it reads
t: 11:44:21
